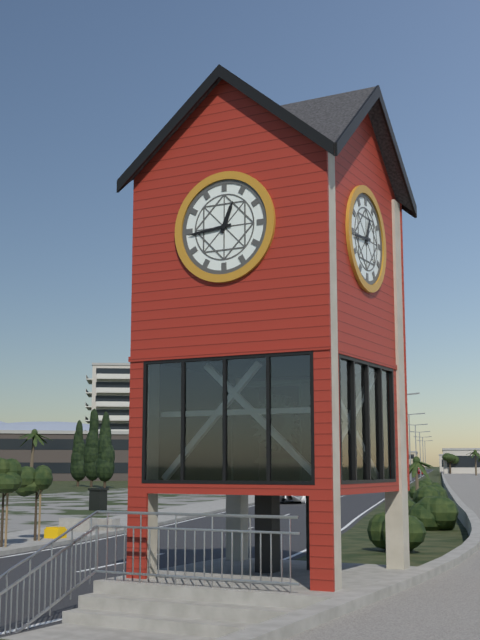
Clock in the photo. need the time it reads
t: 12:44
